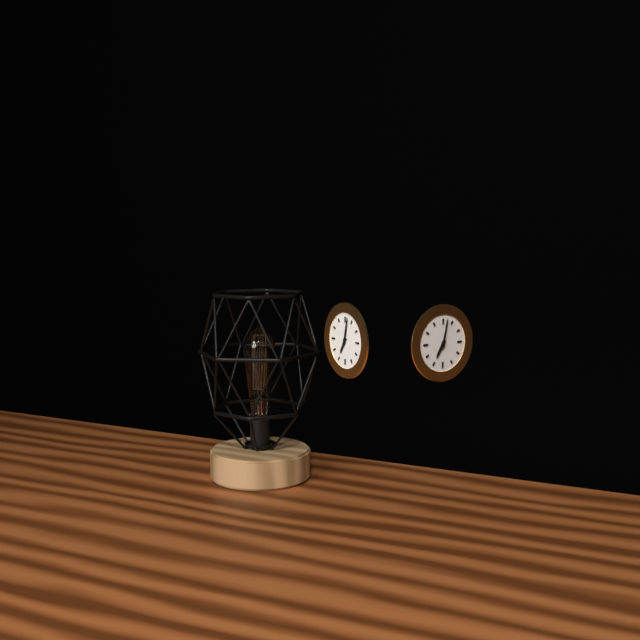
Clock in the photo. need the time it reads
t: 7:02
